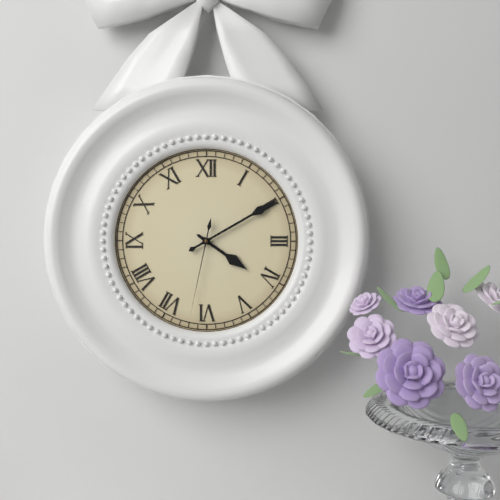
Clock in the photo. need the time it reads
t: 4:10:32
